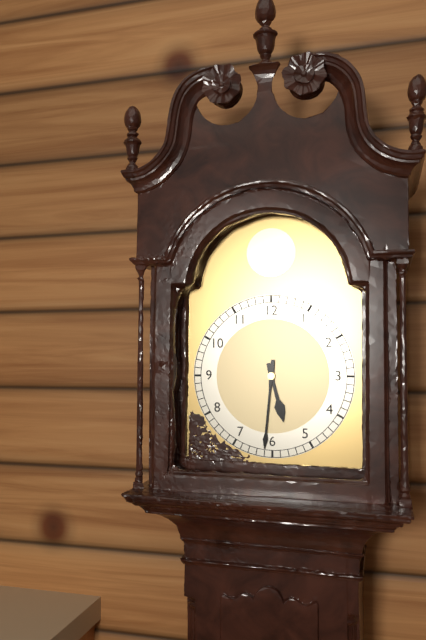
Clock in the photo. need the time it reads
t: 5:31
